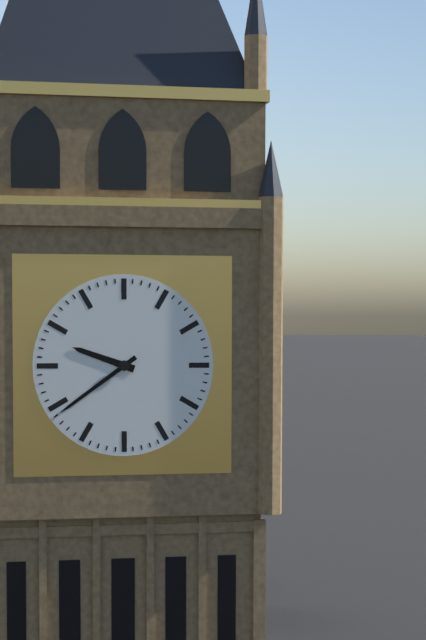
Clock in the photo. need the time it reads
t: 9:39
